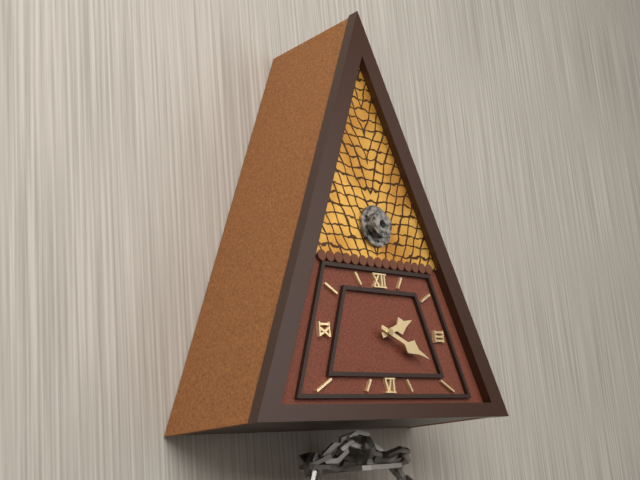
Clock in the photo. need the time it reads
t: 2:19
